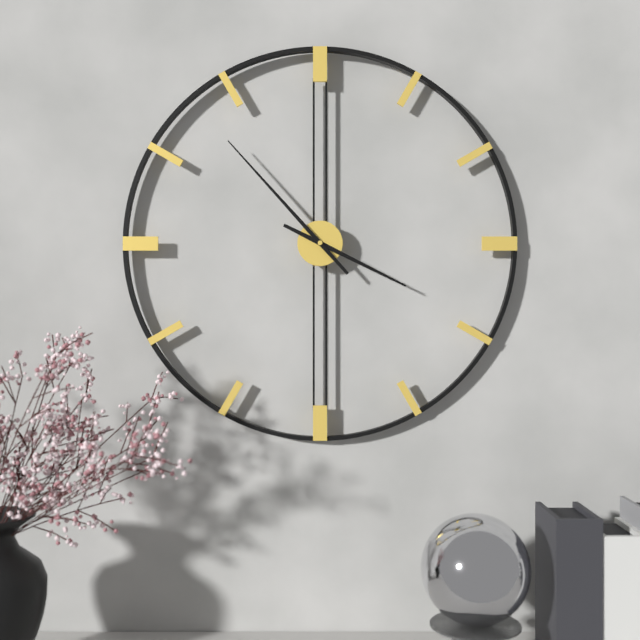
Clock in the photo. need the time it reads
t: 3:53
